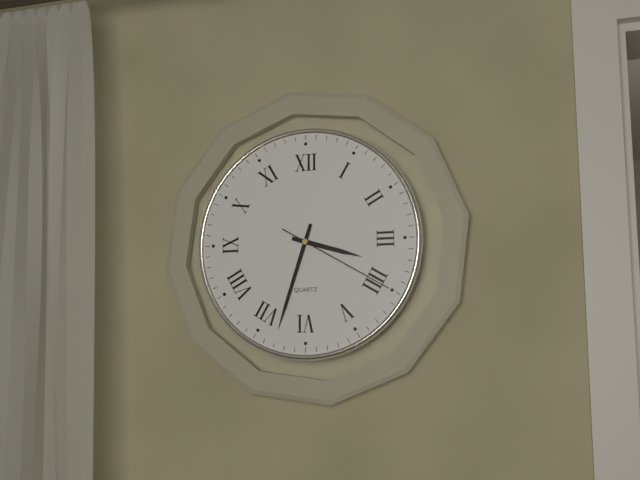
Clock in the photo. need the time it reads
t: 3:33:20
